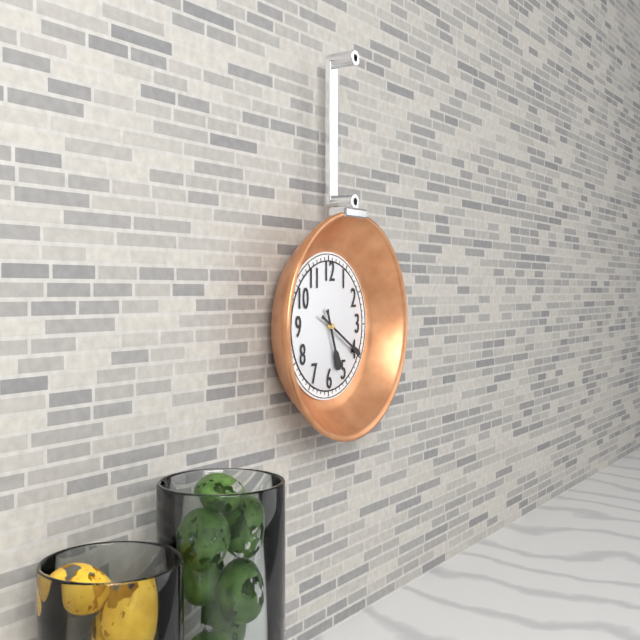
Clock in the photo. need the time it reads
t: 5:20
